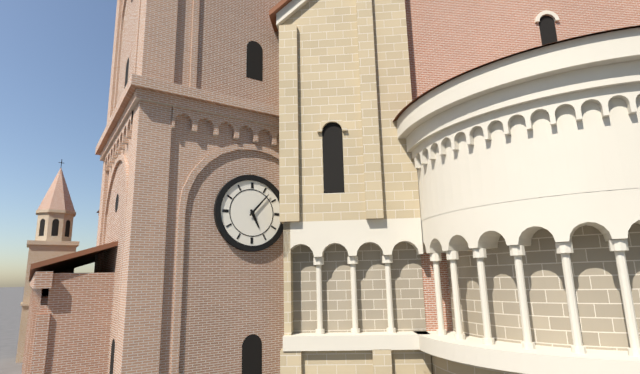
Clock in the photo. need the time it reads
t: 5:07
